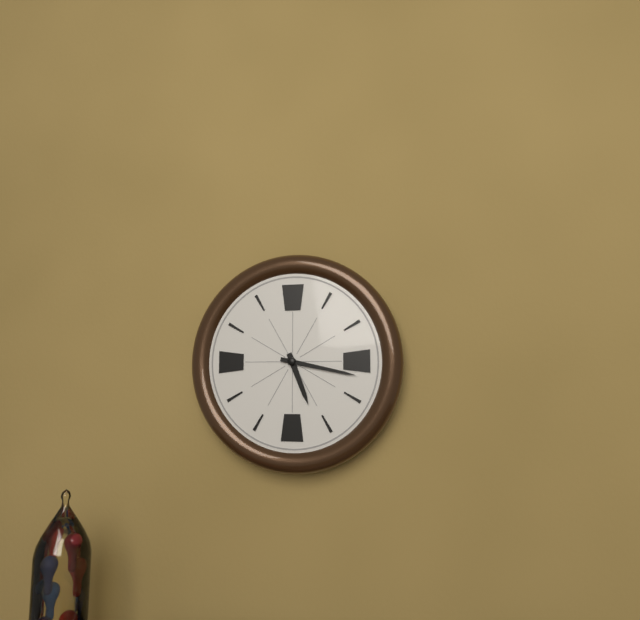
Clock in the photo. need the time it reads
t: 5:17
